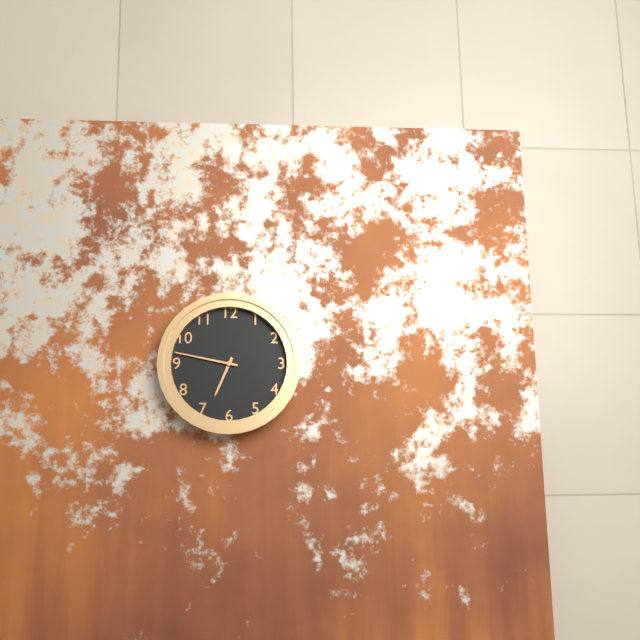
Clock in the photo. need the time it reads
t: 6:47
